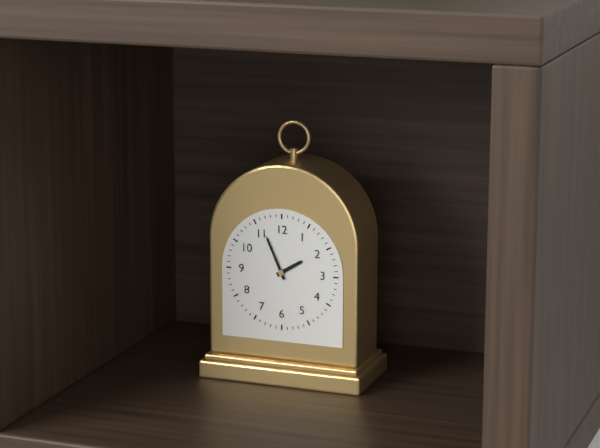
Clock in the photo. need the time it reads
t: 1:56
